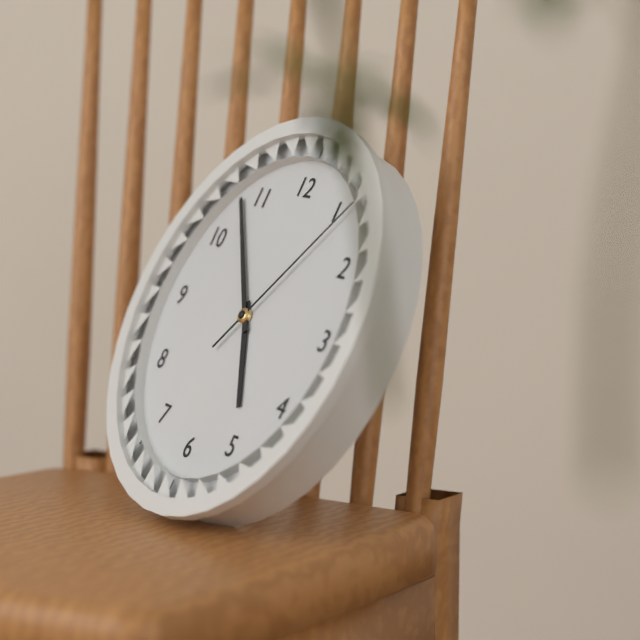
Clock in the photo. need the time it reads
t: 4:53:06
